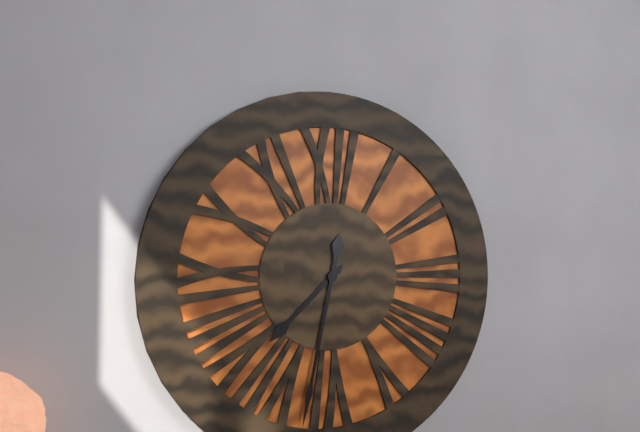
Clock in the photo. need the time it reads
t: 7:32
